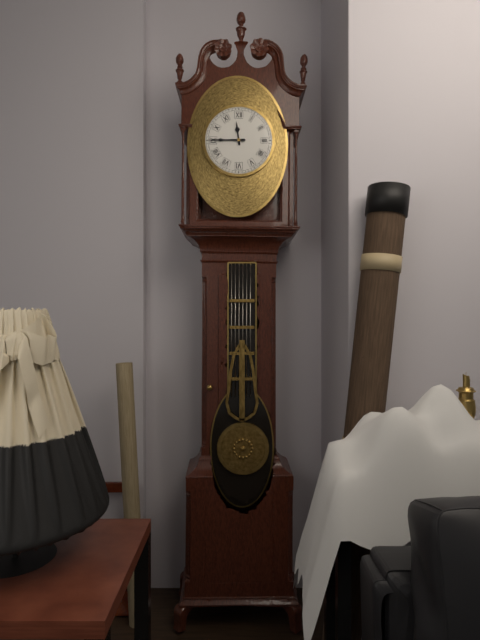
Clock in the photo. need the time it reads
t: 11:45
